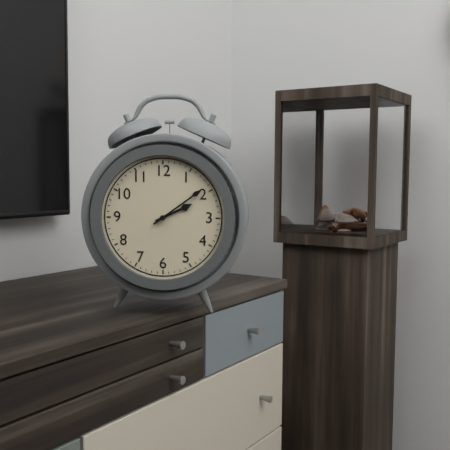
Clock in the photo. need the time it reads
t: 2:09
